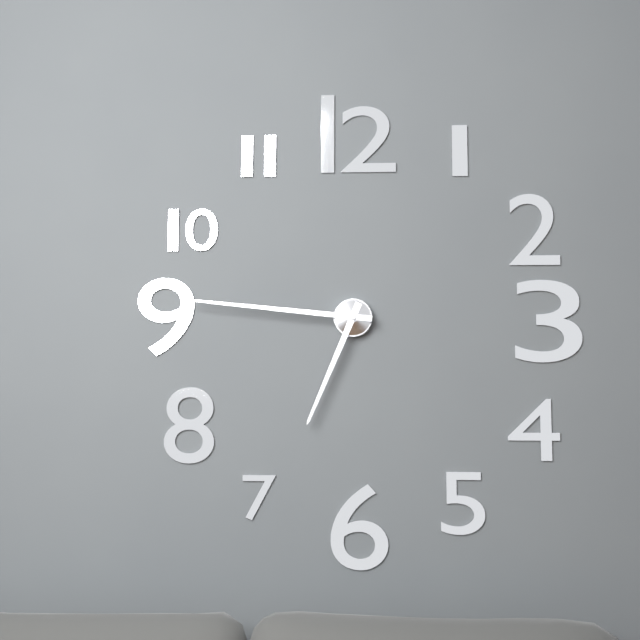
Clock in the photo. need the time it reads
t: 6:46
